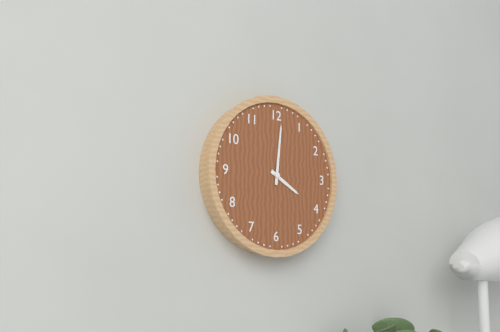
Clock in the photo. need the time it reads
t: 4:01
